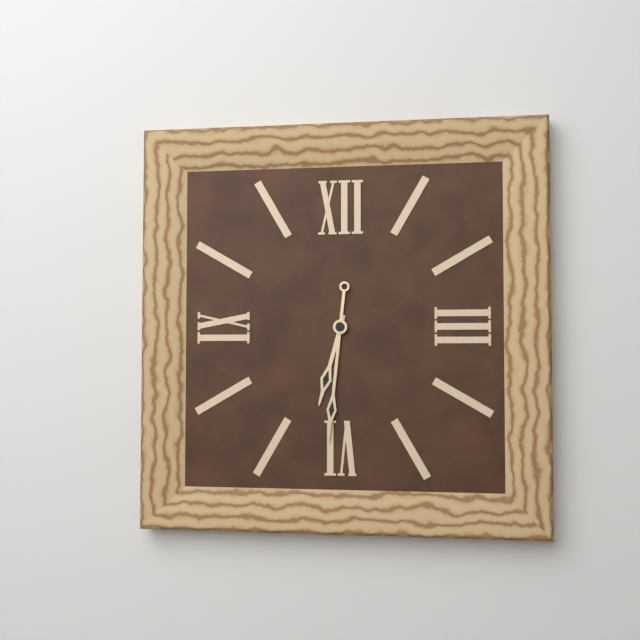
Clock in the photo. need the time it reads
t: 6:31
